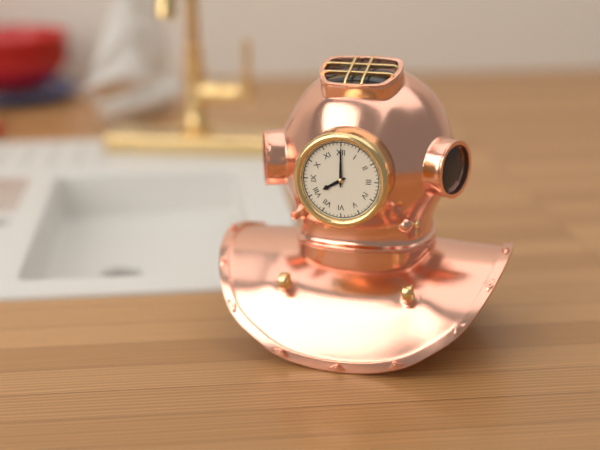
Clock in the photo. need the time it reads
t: 8:00
